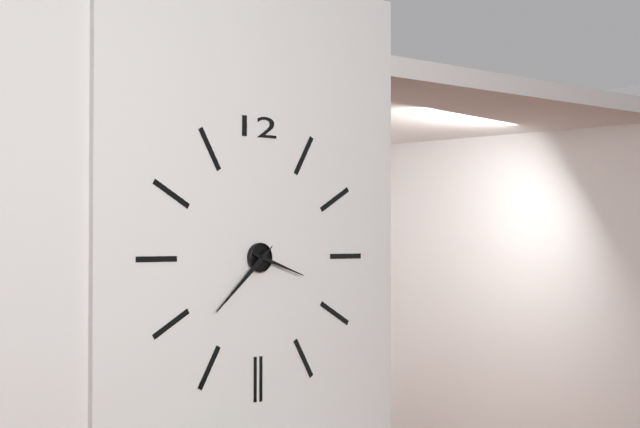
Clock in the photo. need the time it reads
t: 3:38
